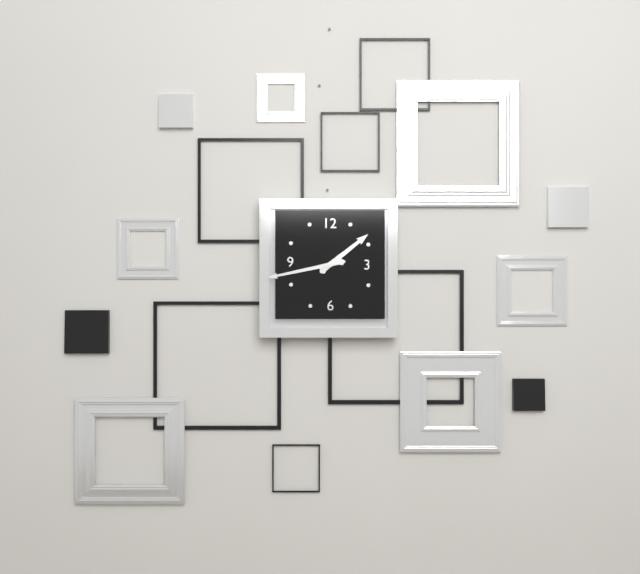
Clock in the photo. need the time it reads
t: 1:43
